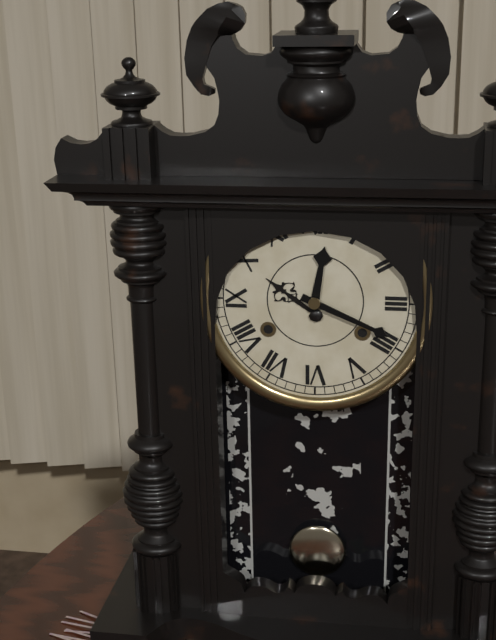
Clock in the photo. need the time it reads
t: 12:19
